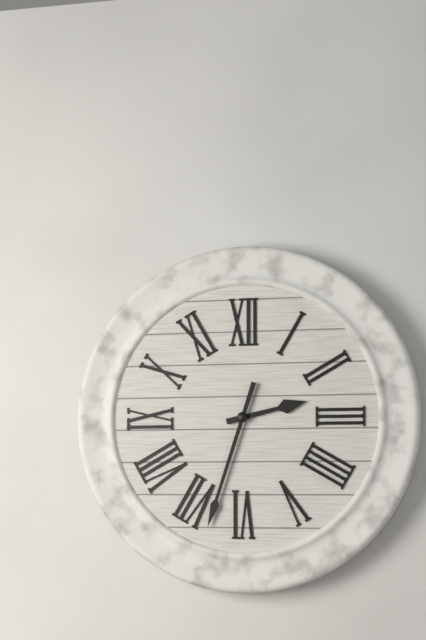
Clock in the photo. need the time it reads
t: 2:33
